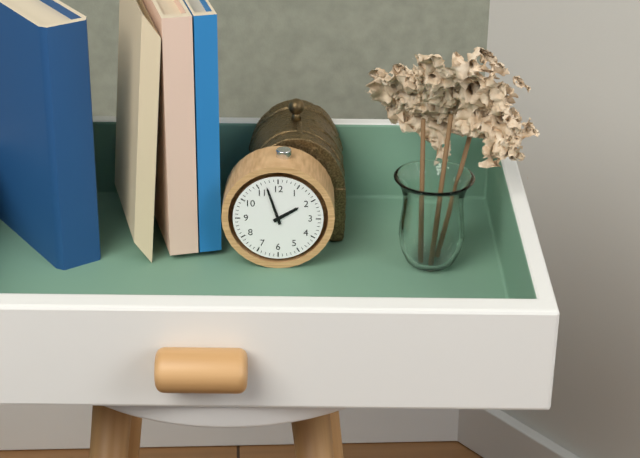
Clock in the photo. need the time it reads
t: 1:57
